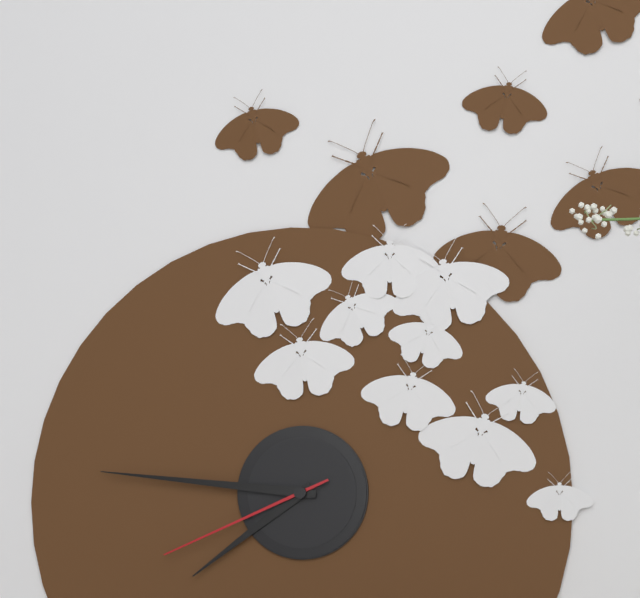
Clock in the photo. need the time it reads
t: 7:46:41
